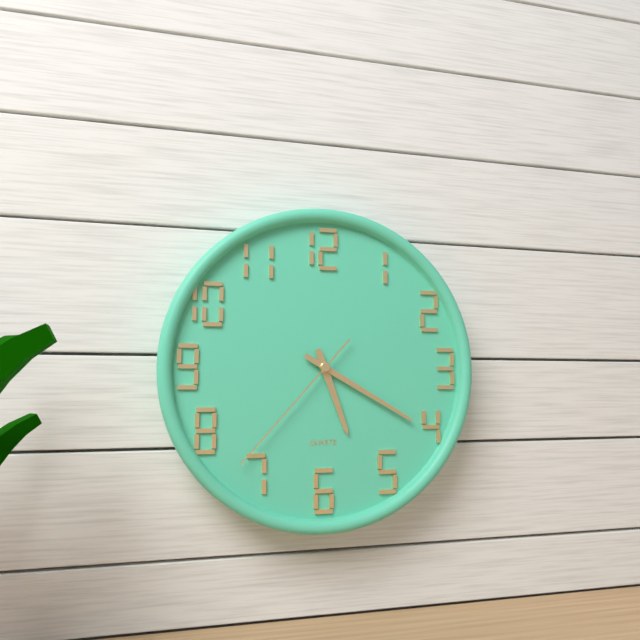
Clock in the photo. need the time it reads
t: 5:20:37
